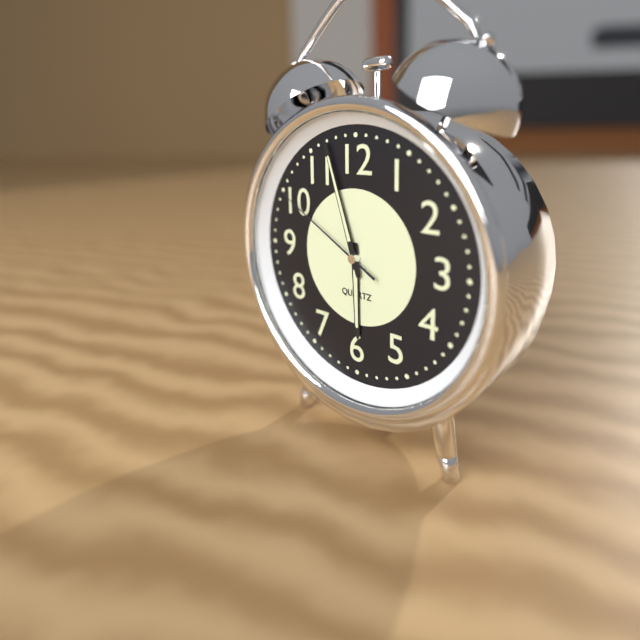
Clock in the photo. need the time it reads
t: 5:57:50
